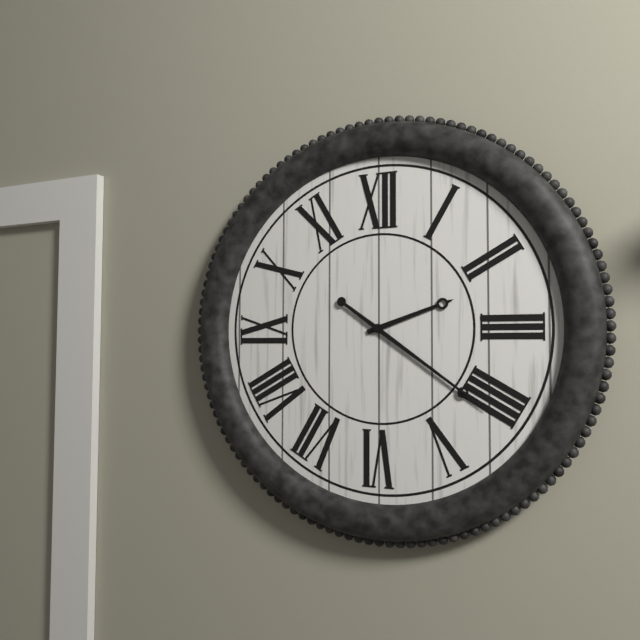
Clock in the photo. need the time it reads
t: 2:21
